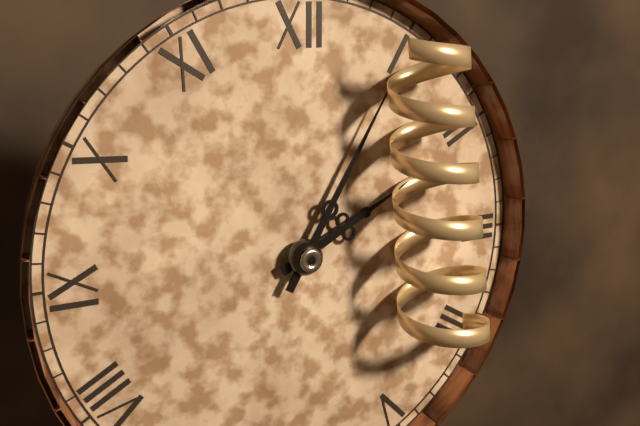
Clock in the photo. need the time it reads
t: 2:05
